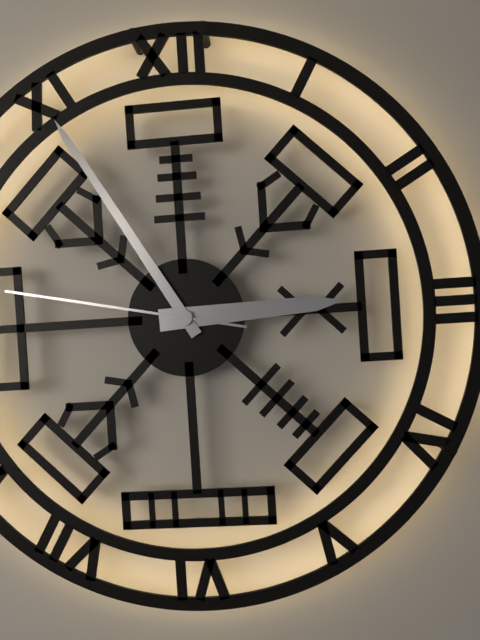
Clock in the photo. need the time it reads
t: 2:55:47
